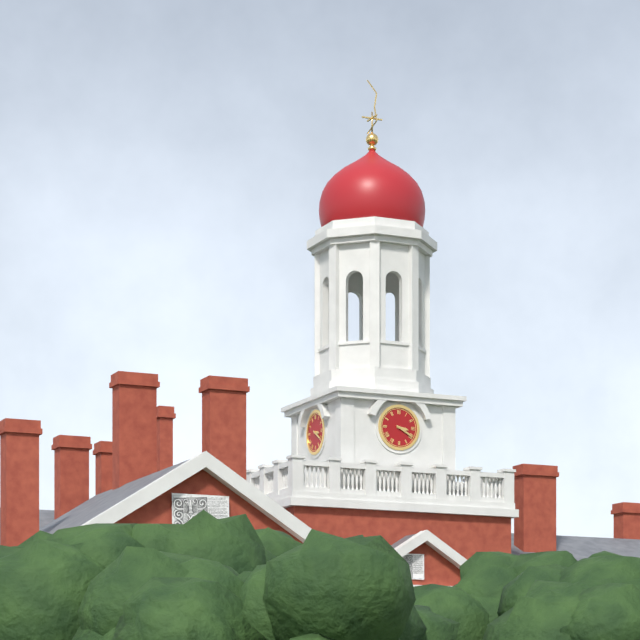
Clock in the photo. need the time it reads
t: 3:20
